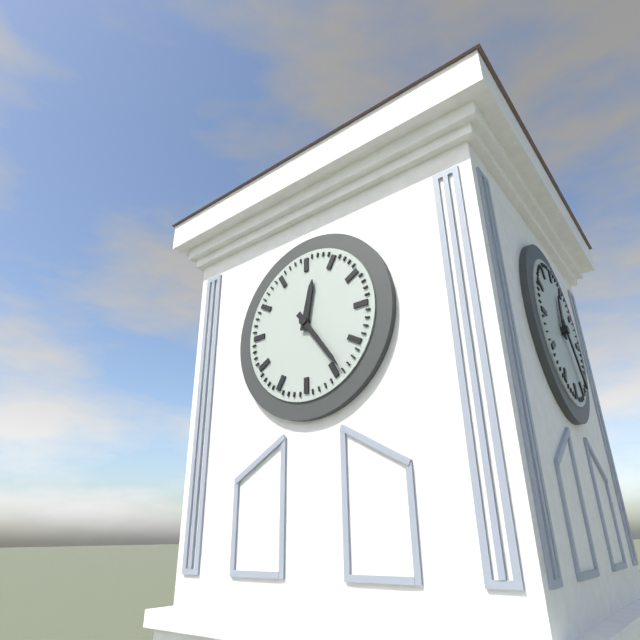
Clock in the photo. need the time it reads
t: 12:24
